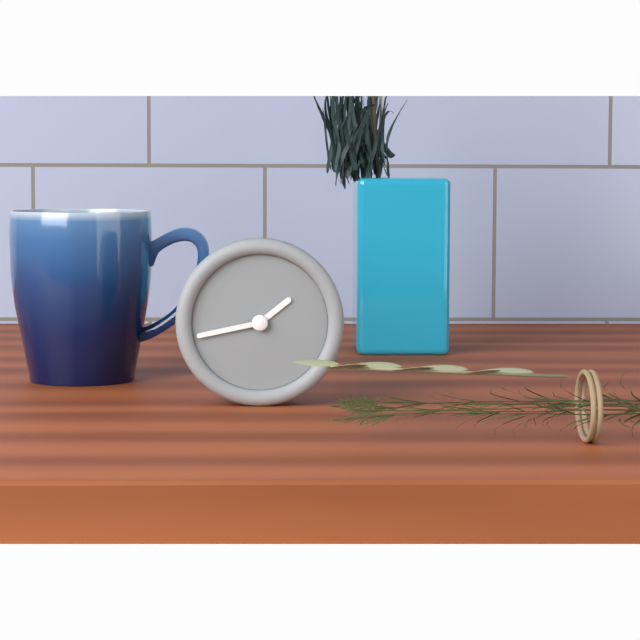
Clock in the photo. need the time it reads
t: 1:43
